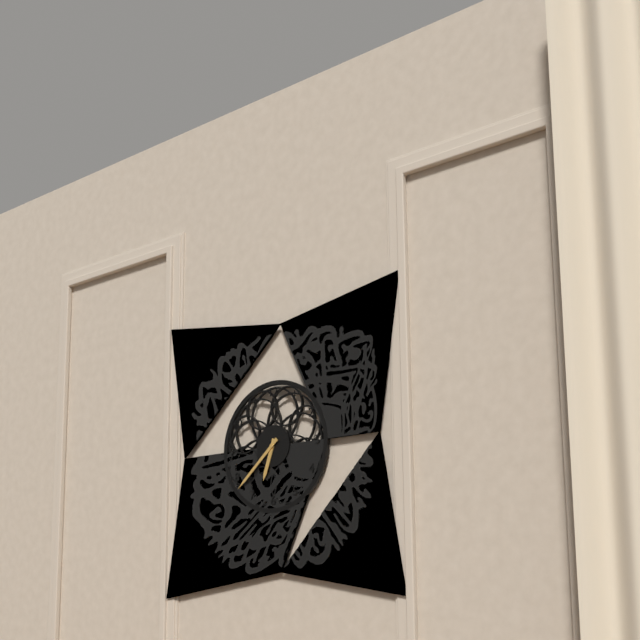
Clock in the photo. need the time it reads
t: 6:38
